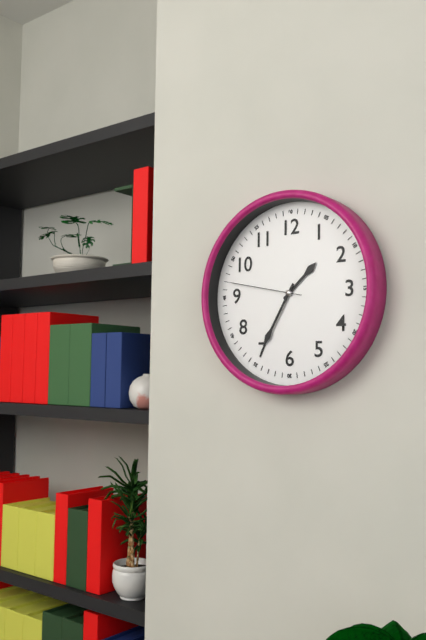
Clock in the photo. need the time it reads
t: 1:35:47
